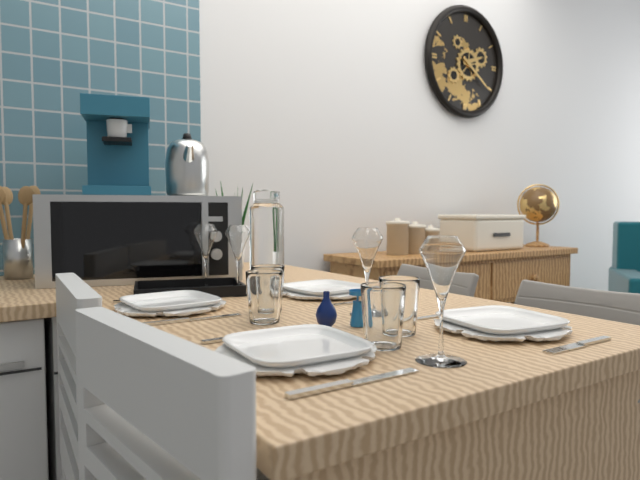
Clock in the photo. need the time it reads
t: 2:21
